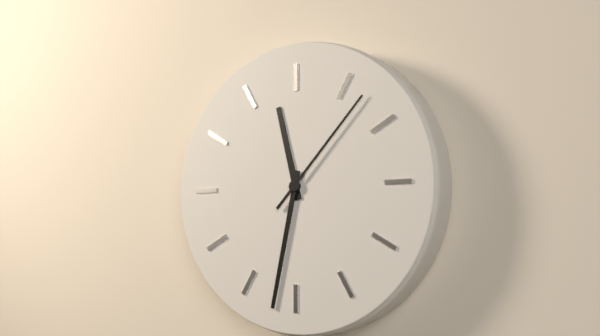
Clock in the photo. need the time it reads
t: 11:32:07
